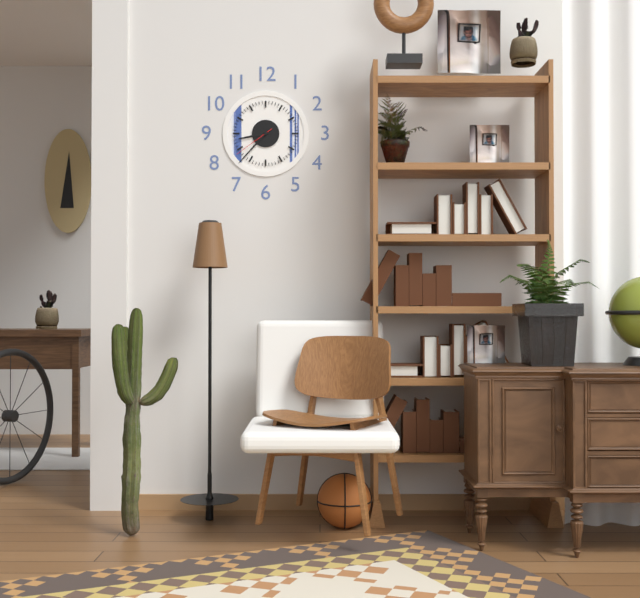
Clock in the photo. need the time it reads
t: 8:37
